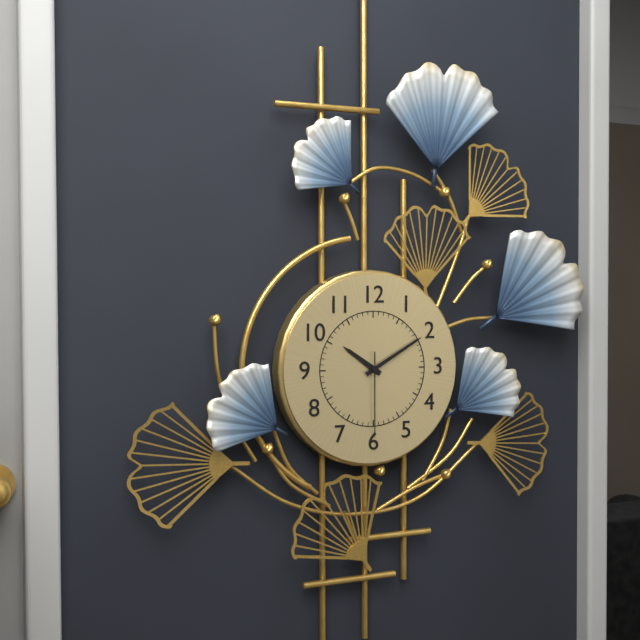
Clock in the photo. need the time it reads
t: 10:10:30
